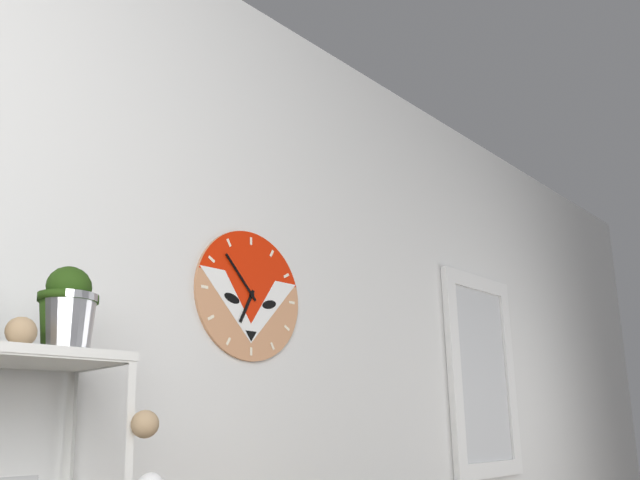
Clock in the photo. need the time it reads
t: 6:53
